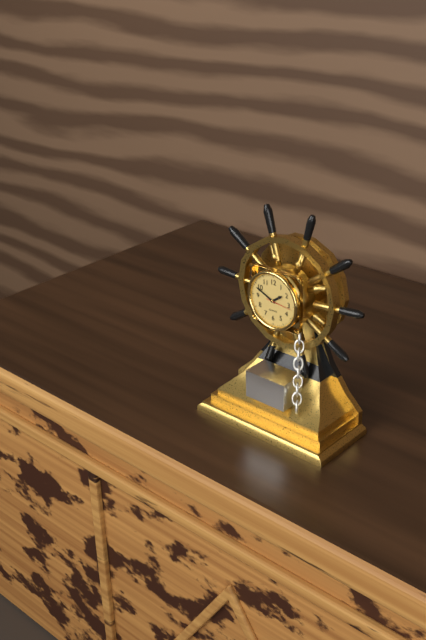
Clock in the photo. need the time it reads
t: 1:49
